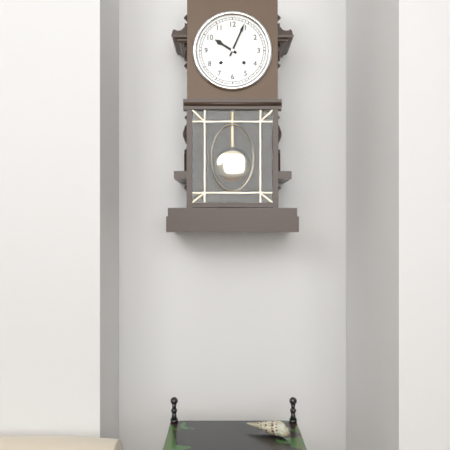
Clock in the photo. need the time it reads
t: 10:04
